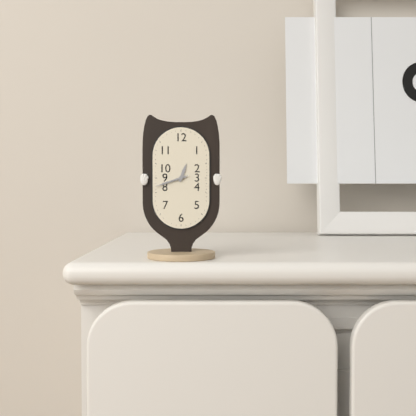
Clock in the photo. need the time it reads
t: 12:42
